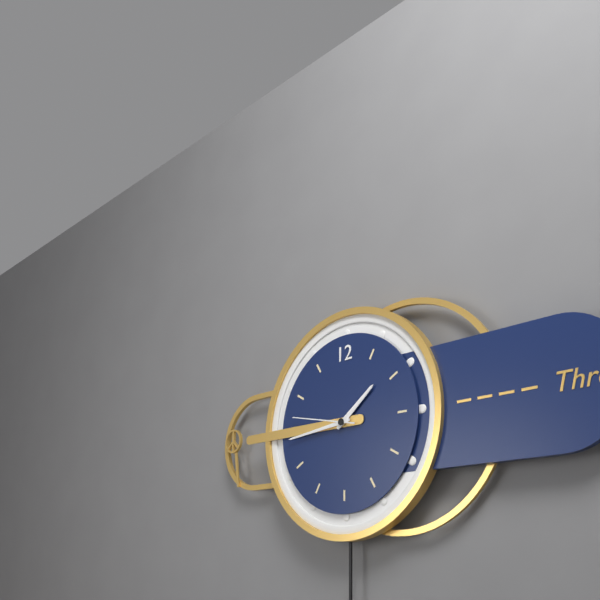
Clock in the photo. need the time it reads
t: 1:44:47
